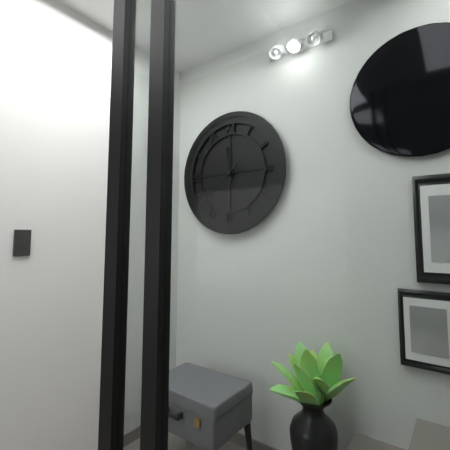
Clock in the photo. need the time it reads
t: 11:38
